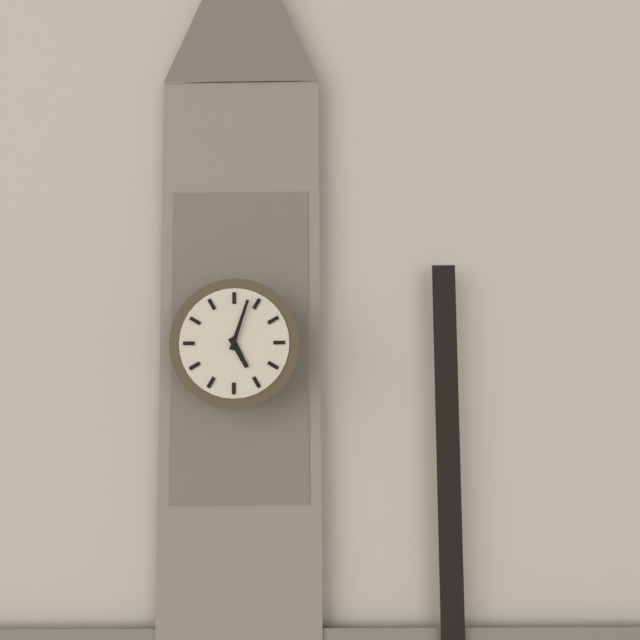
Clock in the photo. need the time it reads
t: 5:03
